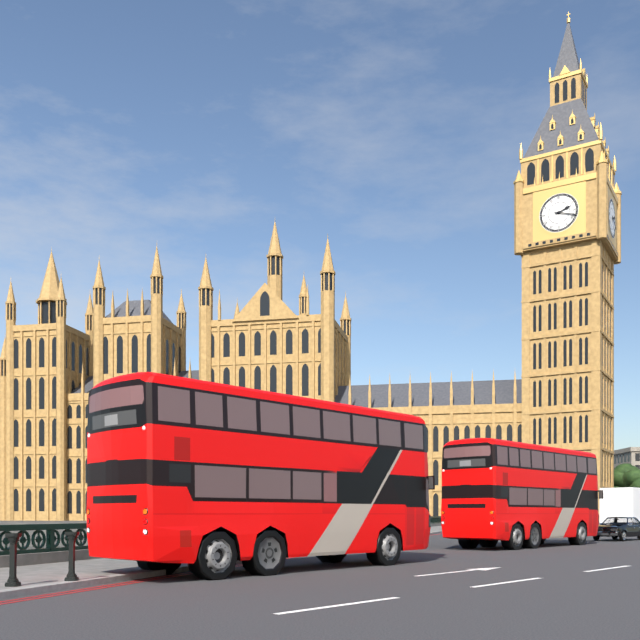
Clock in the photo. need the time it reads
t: 2:18
